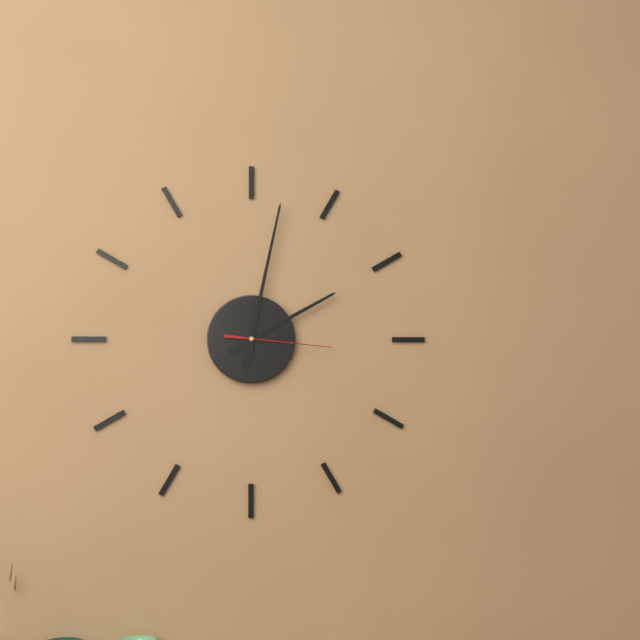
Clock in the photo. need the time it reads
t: 2:02:16
